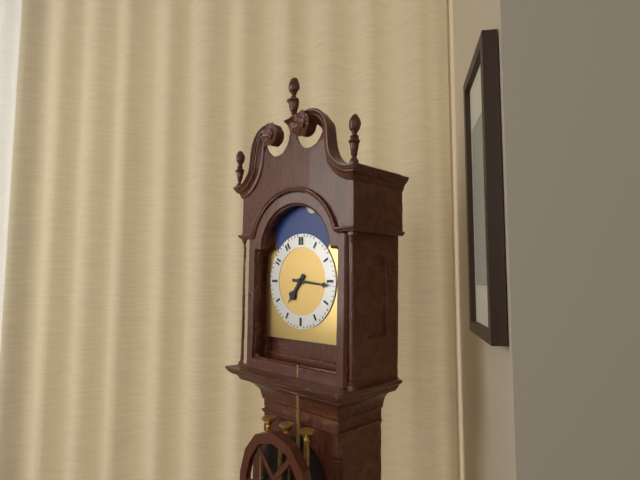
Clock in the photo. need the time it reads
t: 7:16
